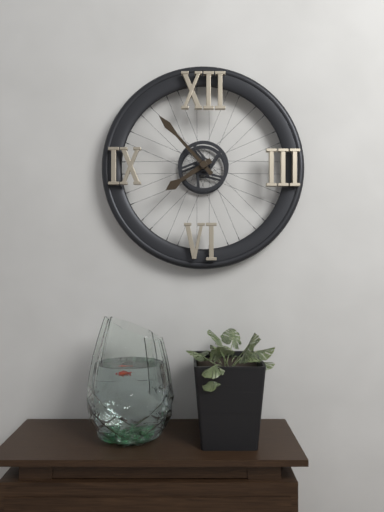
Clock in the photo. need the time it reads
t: 7:53
